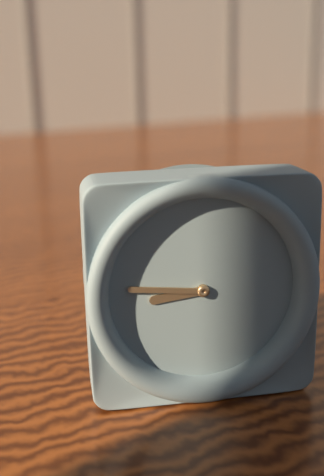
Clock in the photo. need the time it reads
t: 8:46
